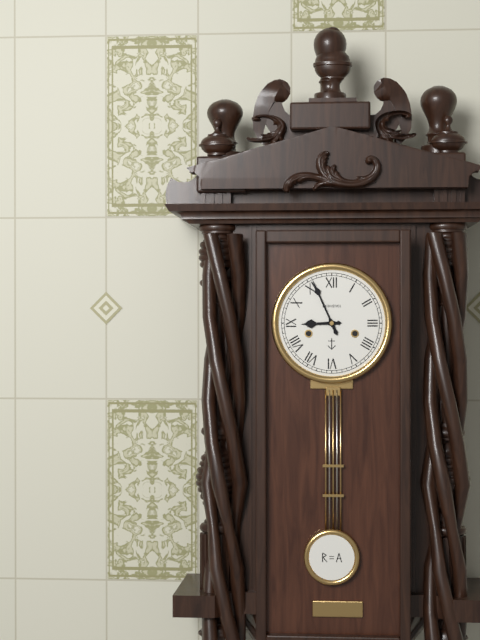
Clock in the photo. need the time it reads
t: 8:56
